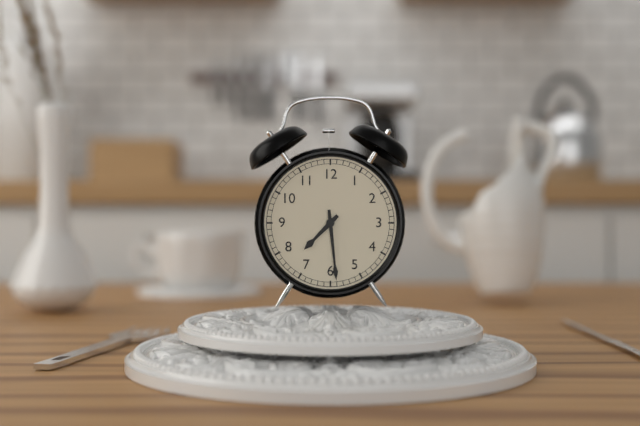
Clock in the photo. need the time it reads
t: 7:29
